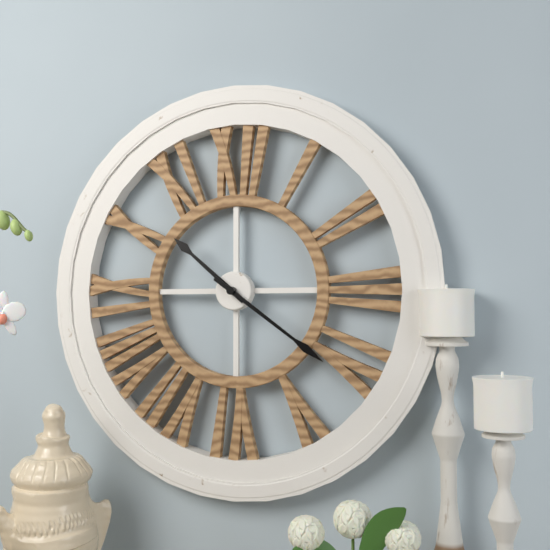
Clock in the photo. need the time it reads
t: 10:21
